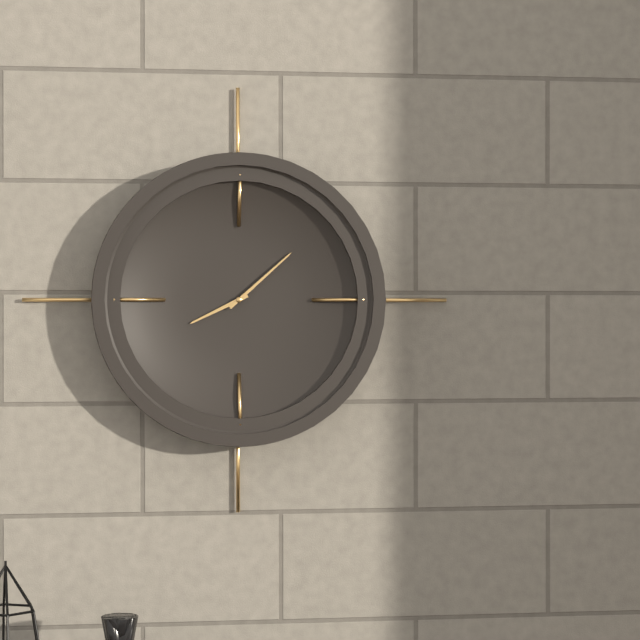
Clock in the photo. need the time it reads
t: 8:08
